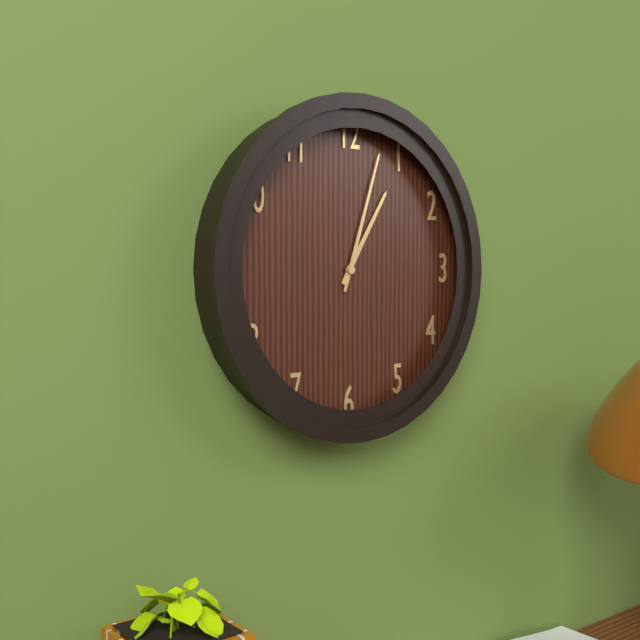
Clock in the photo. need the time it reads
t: 1:03
